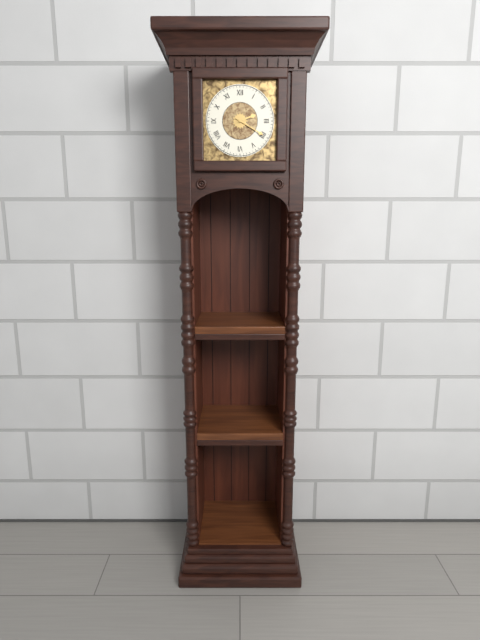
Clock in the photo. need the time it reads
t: 2:20
